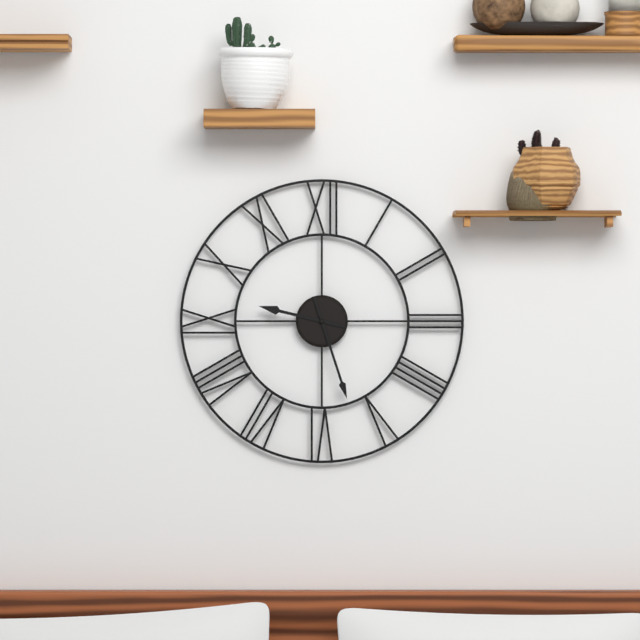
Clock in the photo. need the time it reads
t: 9:27
